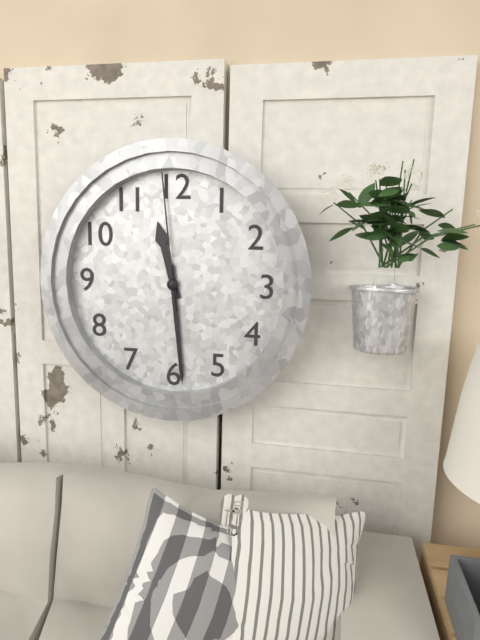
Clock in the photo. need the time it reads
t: 11:29:59
